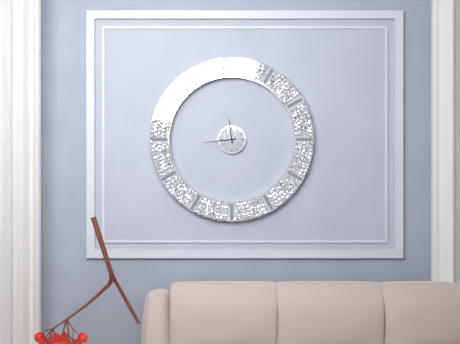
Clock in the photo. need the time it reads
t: 11:44
